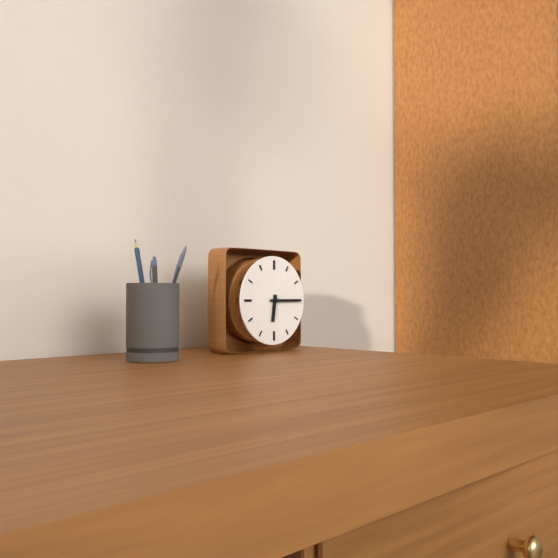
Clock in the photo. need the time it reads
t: 6:15
